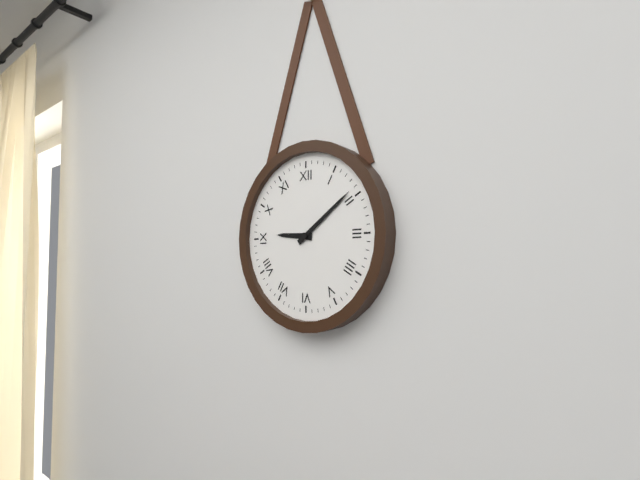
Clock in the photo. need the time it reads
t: 9:09
